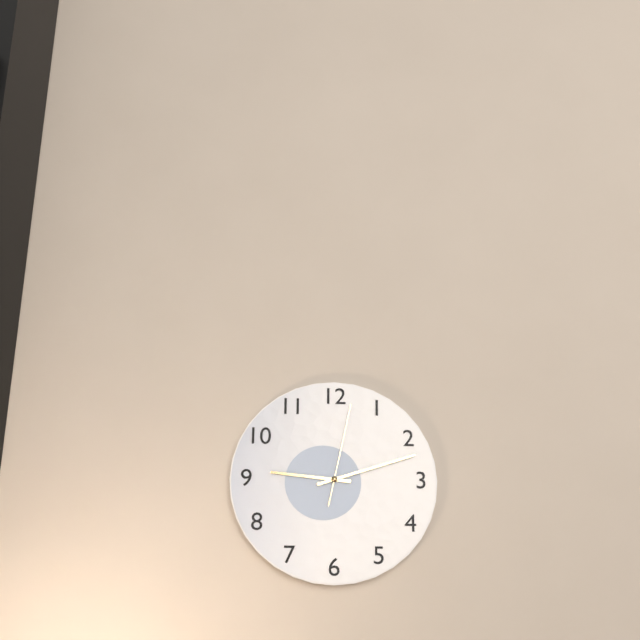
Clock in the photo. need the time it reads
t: 9:12:02
